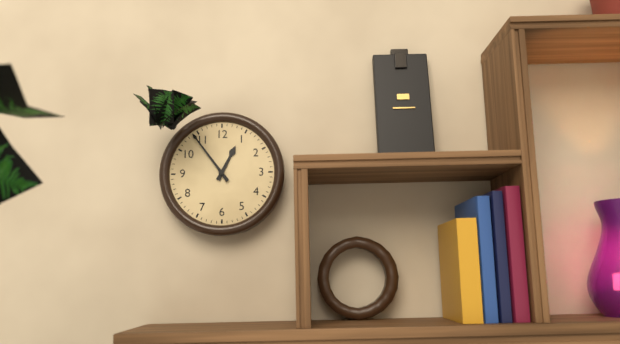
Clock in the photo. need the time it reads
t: 12:54
